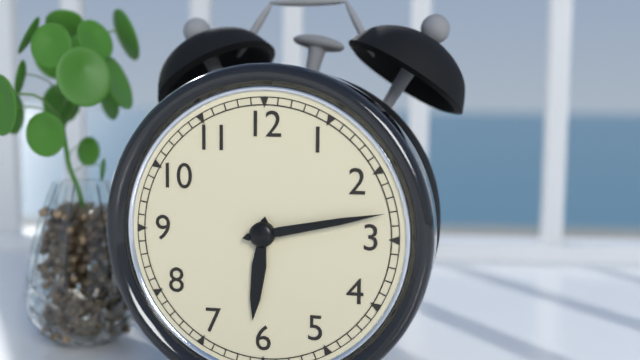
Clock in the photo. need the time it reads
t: 6:13
